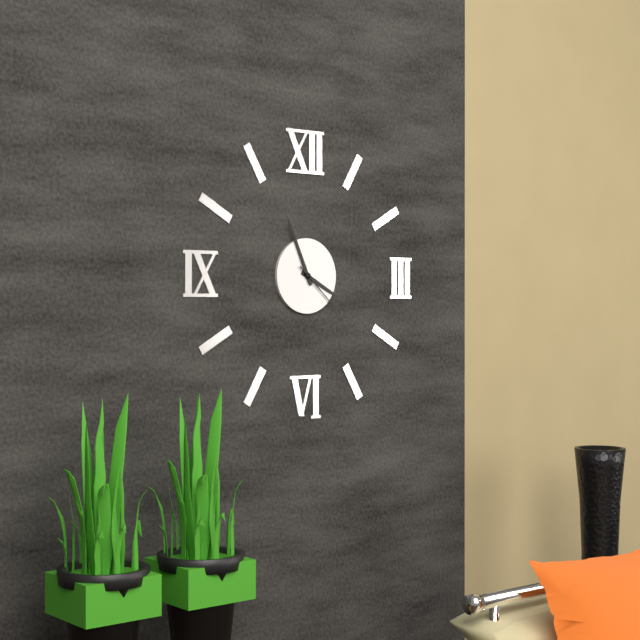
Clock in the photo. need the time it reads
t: 3:56:22
